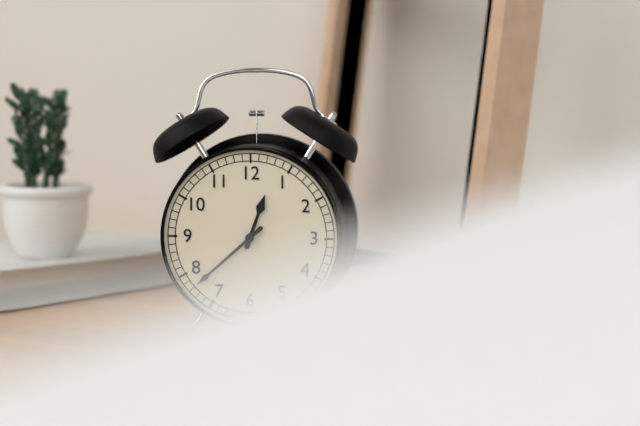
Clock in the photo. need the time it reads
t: 12:38
